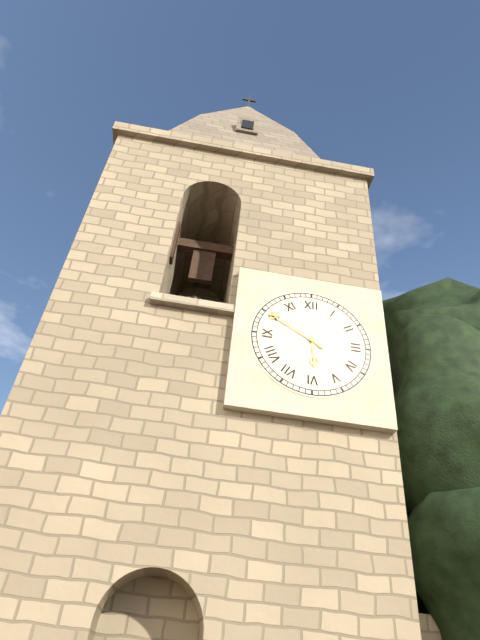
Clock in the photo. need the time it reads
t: 5:50
